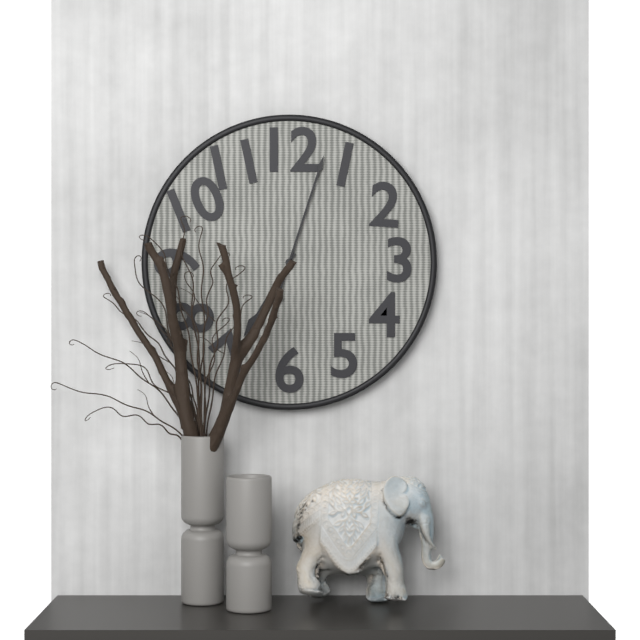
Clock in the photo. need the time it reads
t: 7:03
